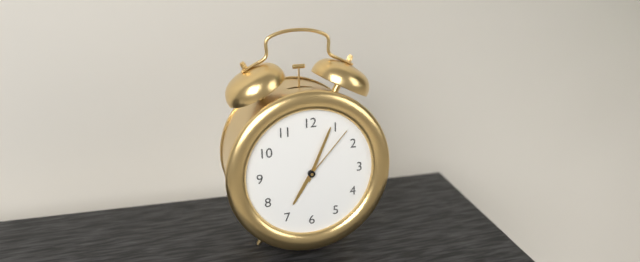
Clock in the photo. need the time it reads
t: 7:04:07
